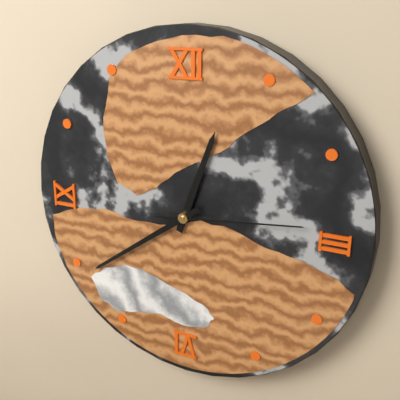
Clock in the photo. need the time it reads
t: 12:39:14
